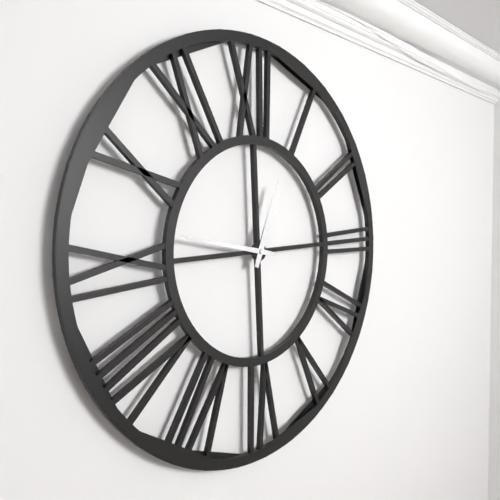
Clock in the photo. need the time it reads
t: 12:47
